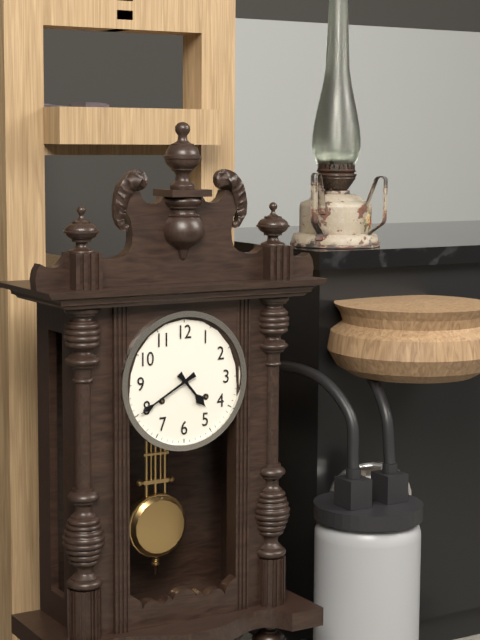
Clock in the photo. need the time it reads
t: 4:40
